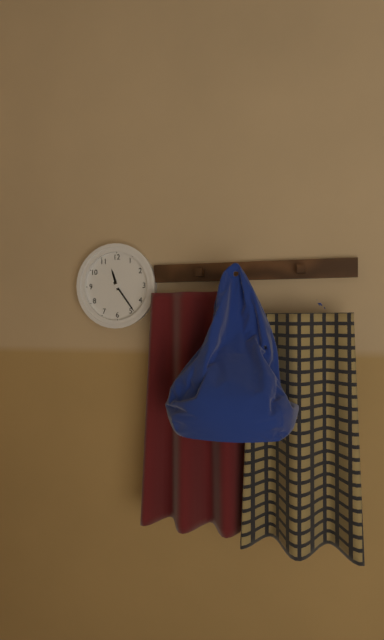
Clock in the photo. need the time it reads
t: 11:24
